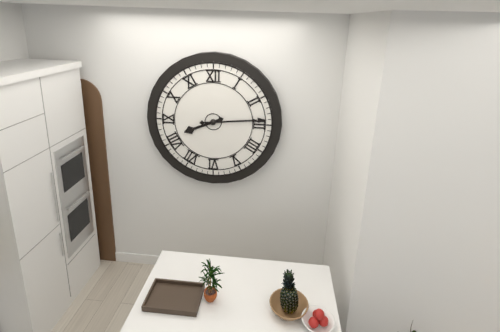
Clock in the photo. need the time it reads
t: 8:14
